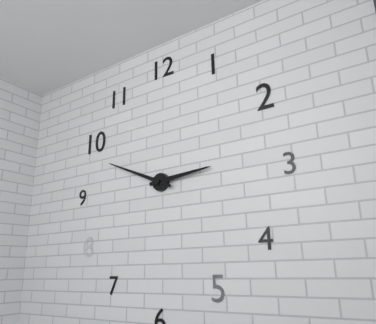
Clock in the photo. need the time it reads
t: 2:49
